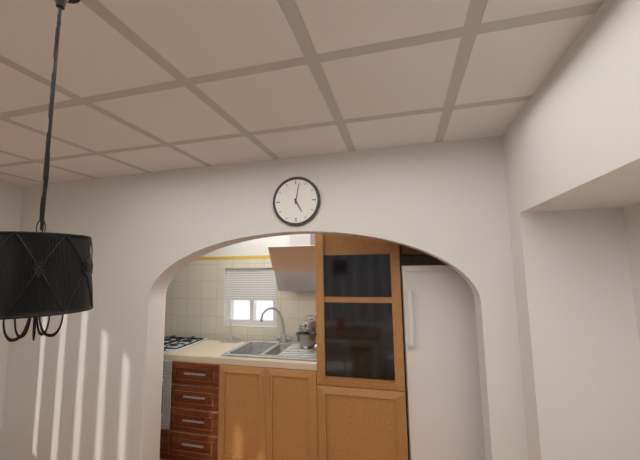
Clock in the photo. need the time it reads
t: 5:02
